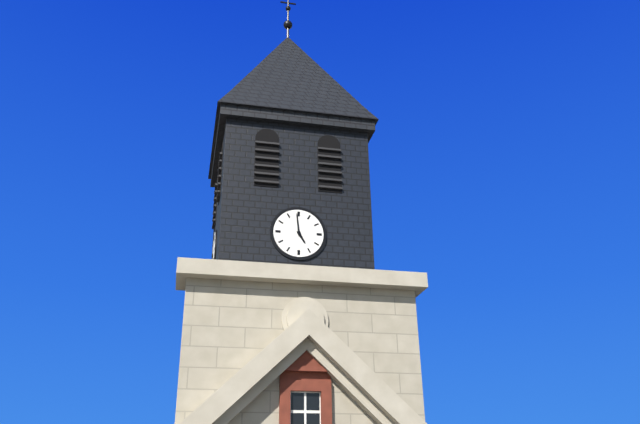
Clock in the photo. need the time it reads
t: 4:59
